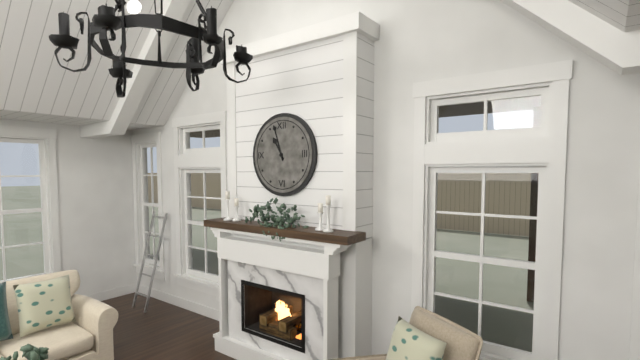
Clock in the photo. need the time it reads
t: 10:57
